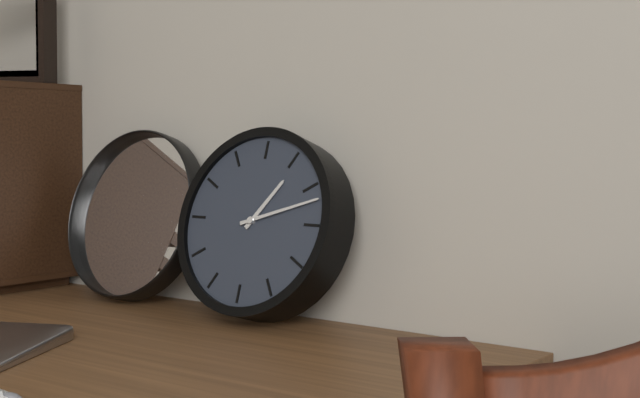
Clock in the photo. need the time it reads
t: 1:12
